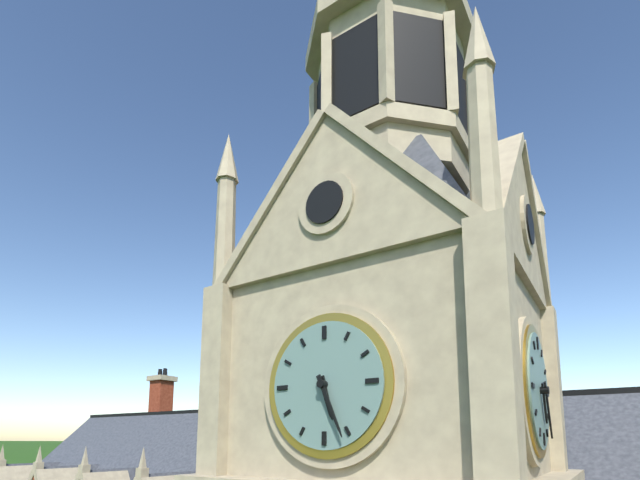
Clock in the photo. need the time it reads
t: 5:26
